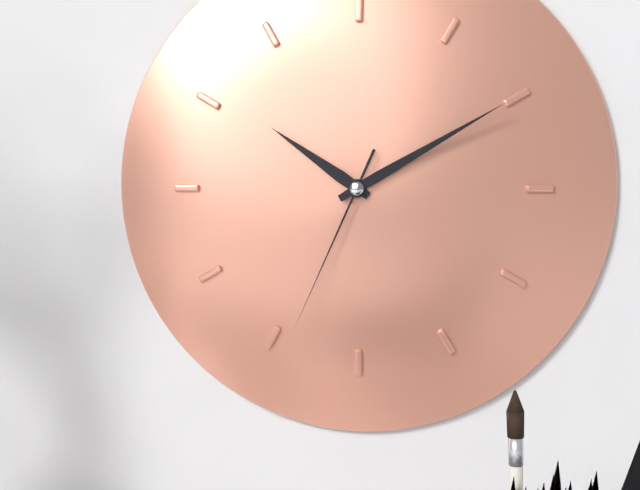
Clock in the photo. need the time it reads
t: 10:10:34
